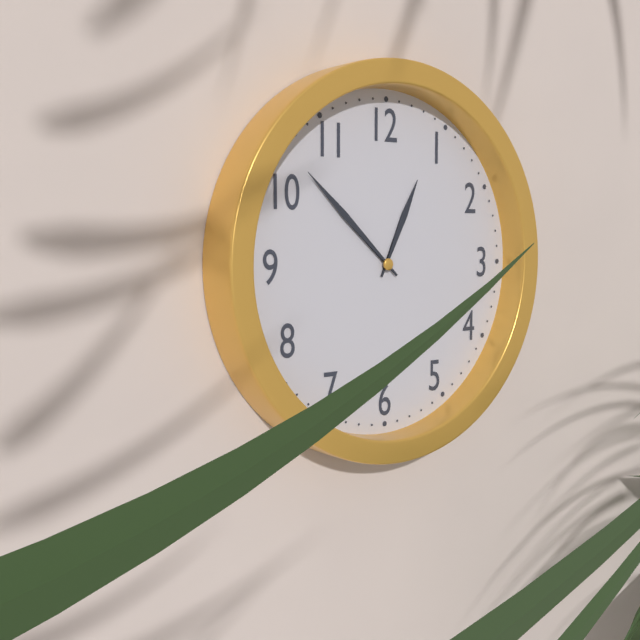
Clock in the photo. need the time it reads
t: 12:52
